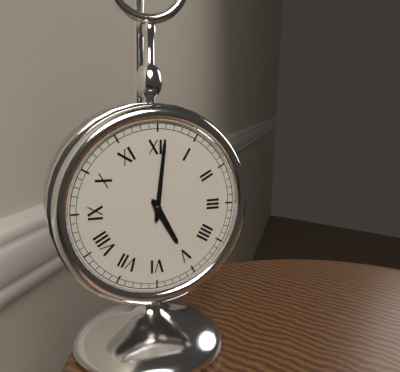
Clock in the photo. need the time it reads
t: 5:01
